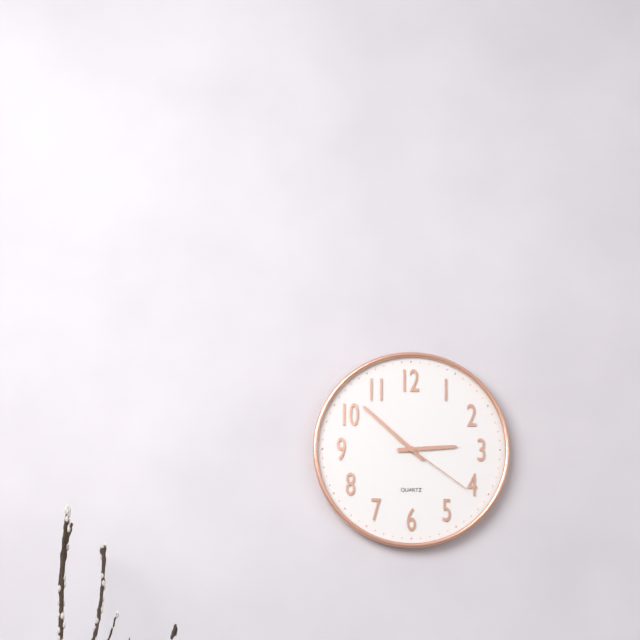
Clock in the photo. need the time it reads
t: 2:52:21
